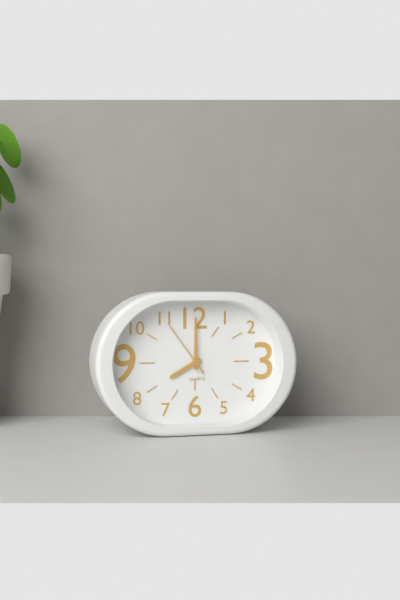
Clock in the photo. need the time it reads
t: 8:00:54
